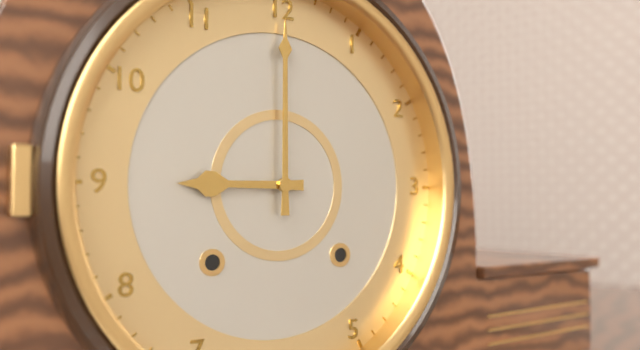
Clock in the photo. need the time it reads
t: 9:00
